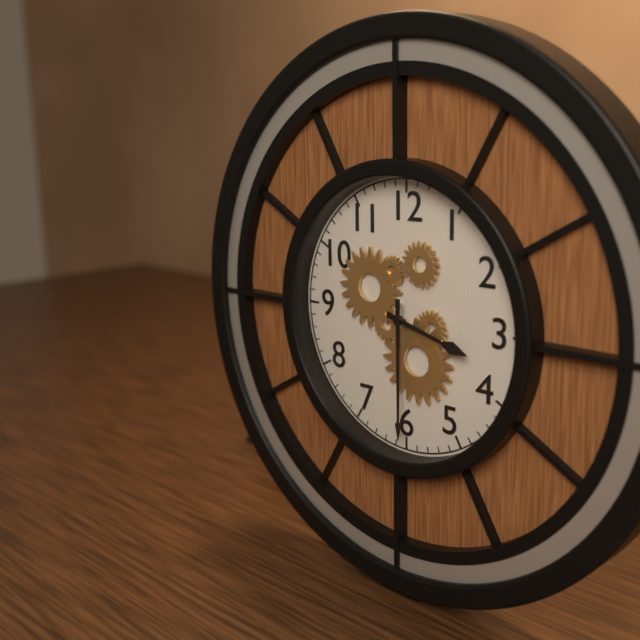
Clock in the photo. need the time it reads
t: 3:30
